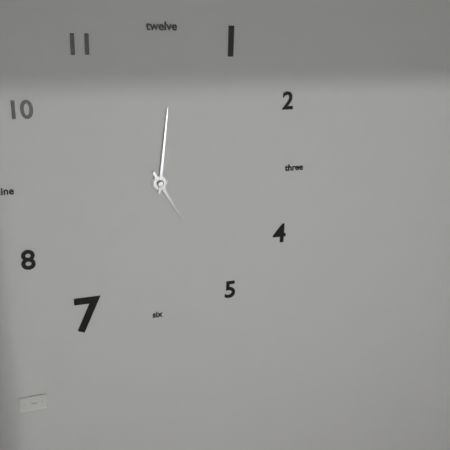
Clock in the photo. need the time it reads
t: 5:01
